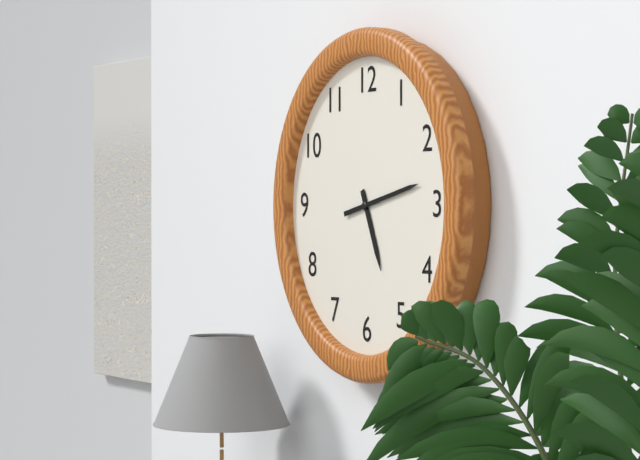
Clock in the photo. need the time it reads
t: 5:13
